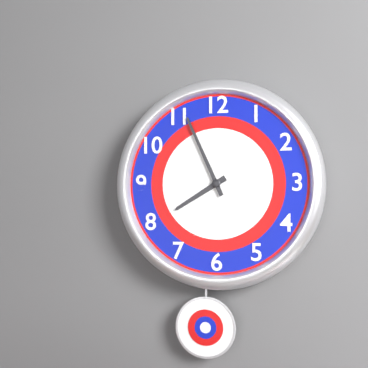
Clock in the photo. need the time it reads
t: 7:56
